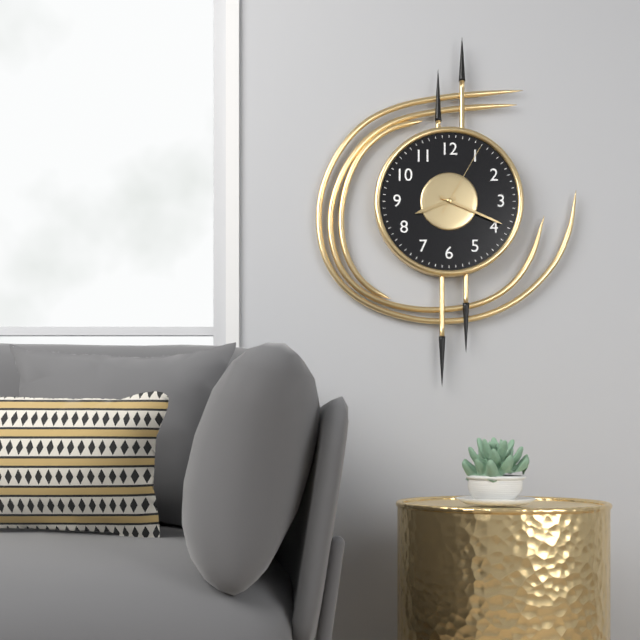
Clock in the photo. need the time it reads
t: 8:19:05
